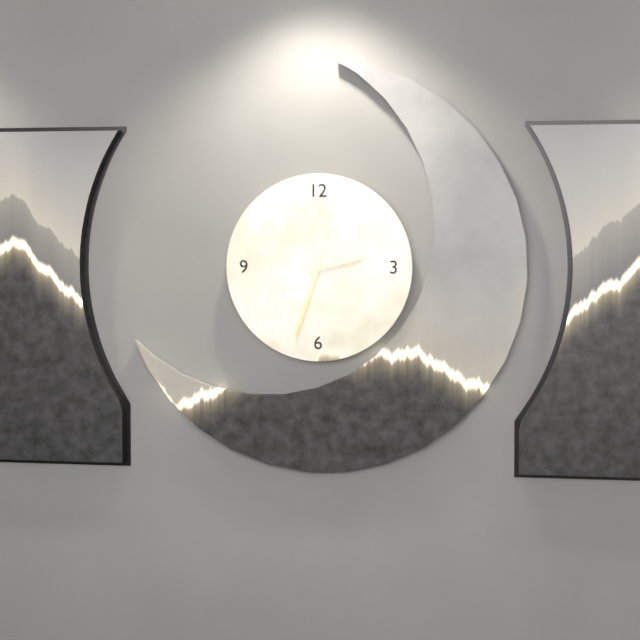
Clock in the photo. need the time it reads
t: 2:33
